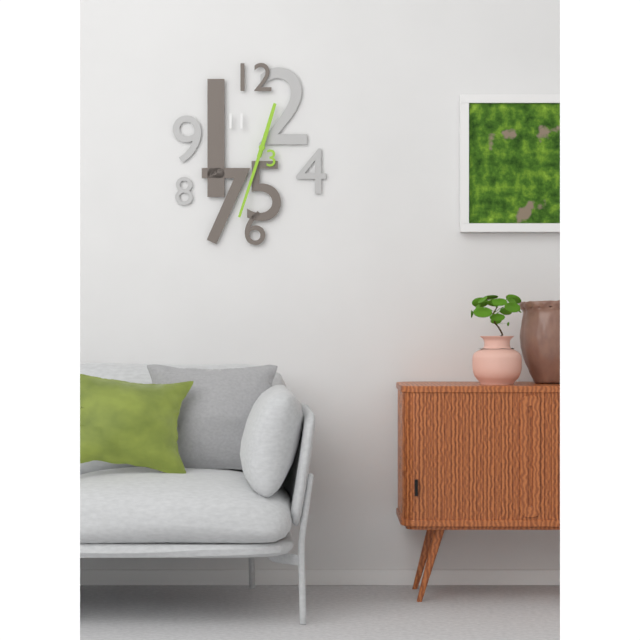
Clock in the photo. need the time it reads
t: 12:33
